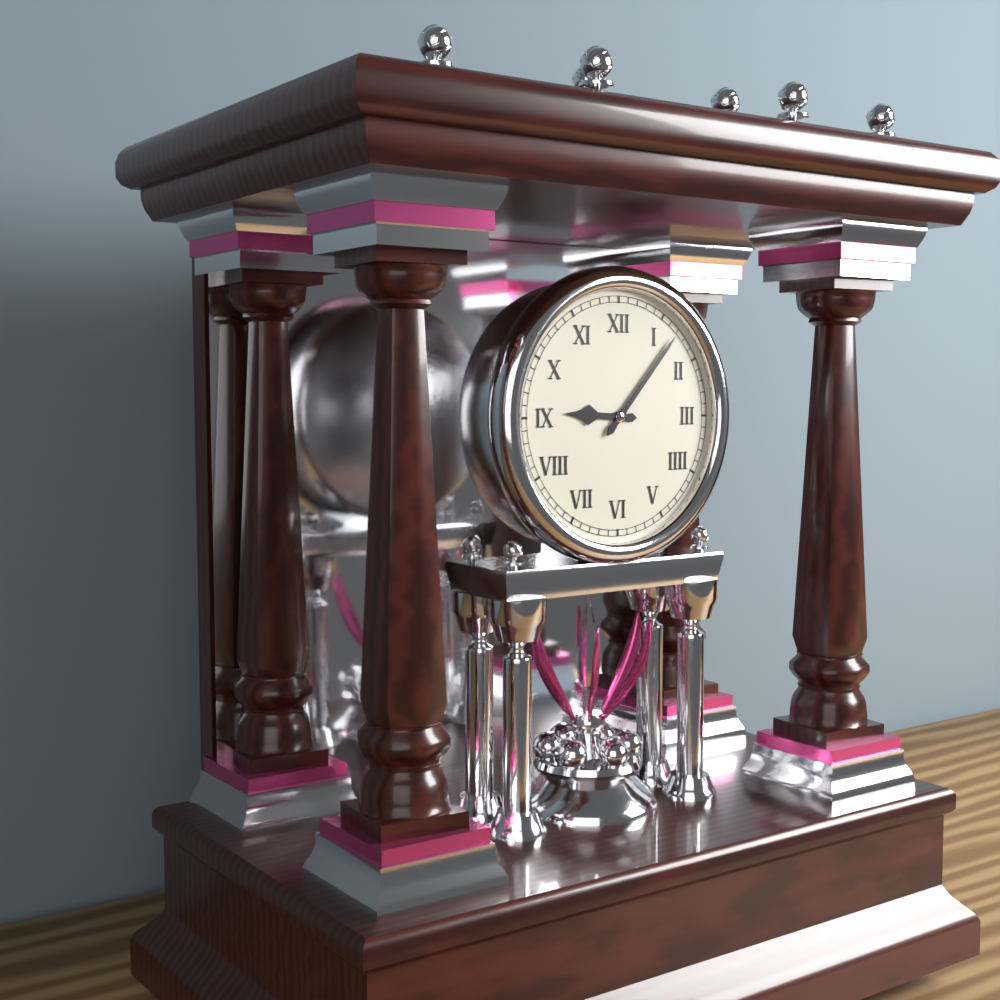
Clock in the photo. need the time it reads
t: 9:07
